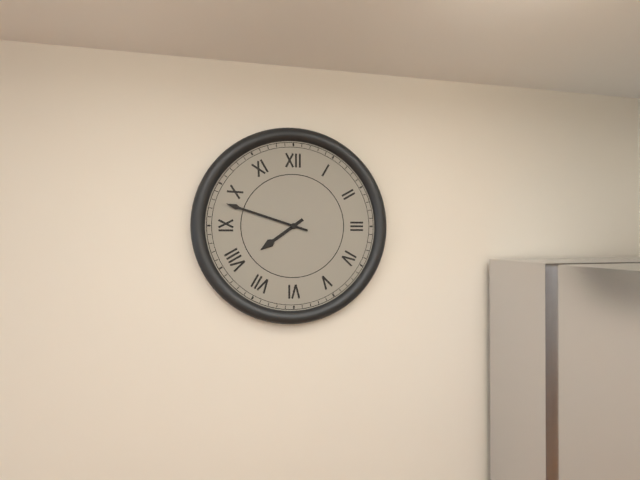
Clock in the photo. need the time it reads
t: 7:48
